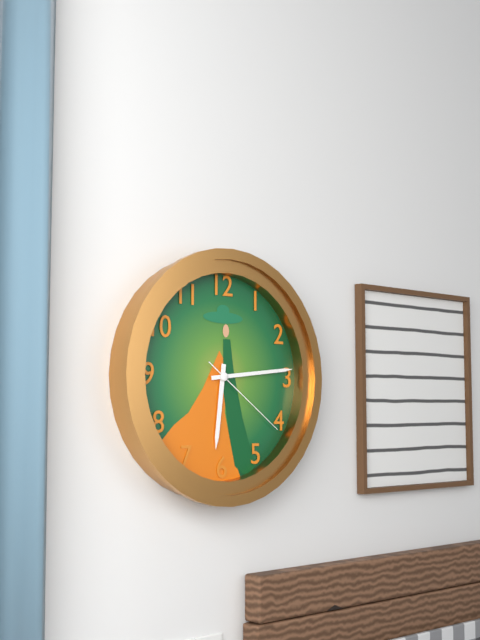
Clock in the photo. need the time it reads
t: 6:14:21
